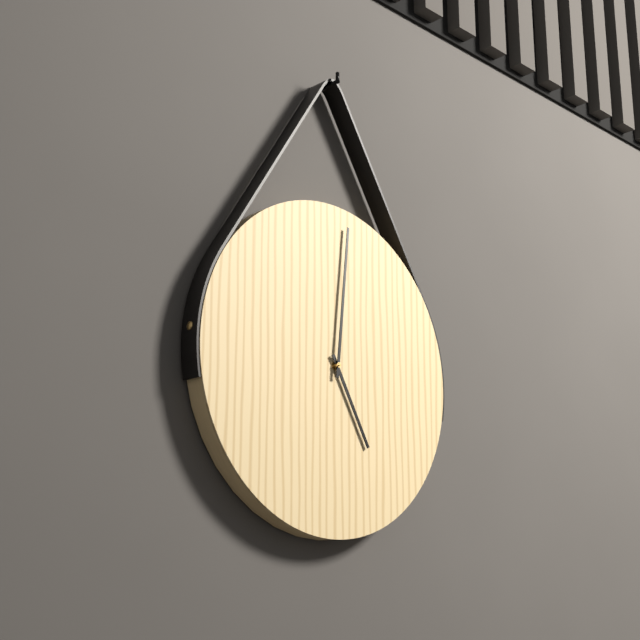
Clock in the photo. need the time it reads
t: 5:01
